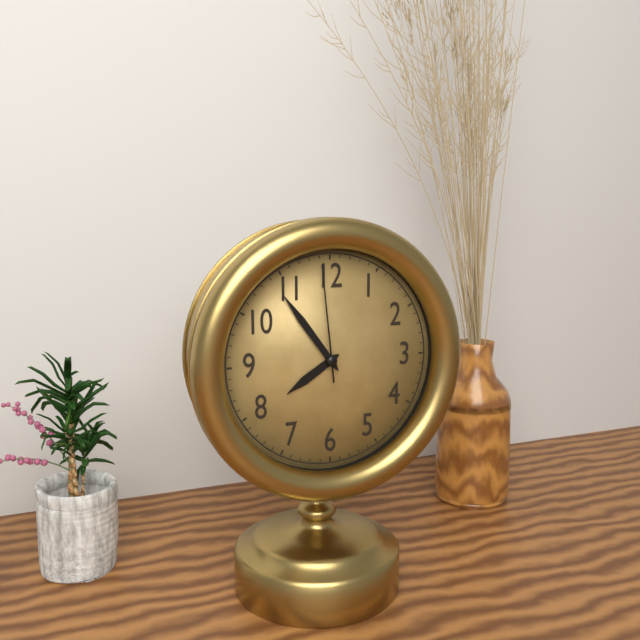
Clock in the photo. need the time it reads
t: 7:54:59
